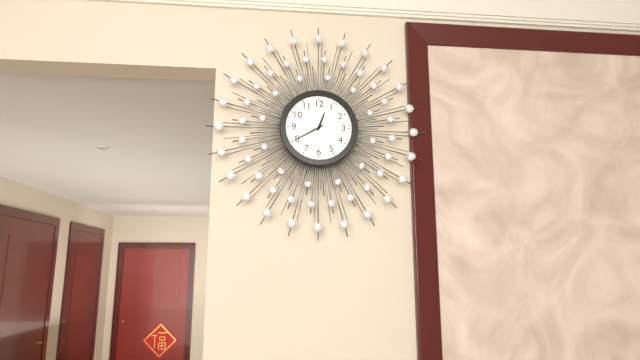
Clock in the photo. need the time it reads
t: 12:40
